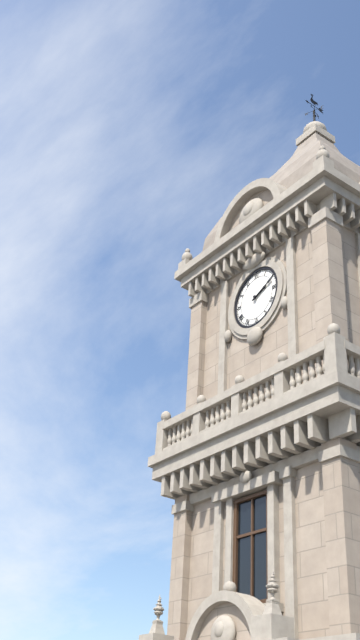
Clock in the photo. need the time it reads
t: 2:11
